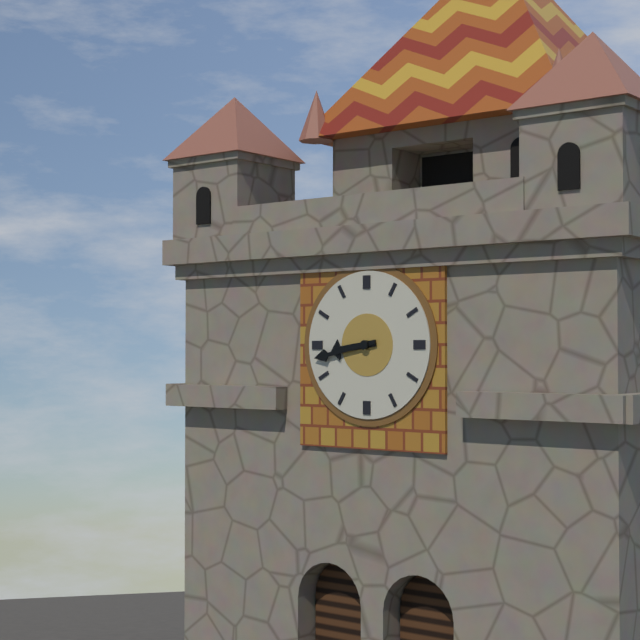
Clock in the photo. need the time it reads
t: 8:43
